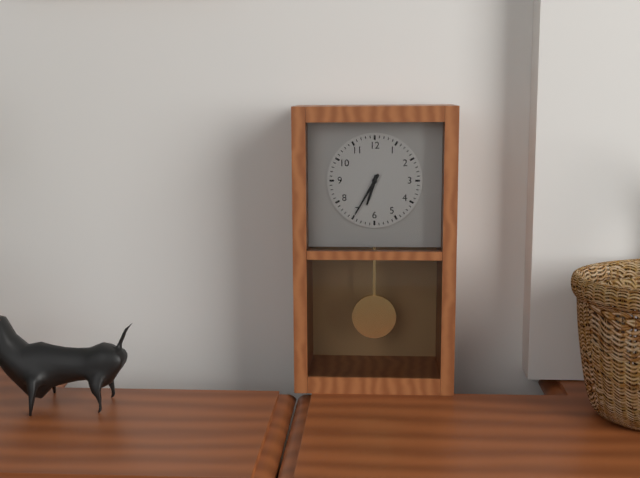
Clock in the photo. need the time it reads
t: 6:35
